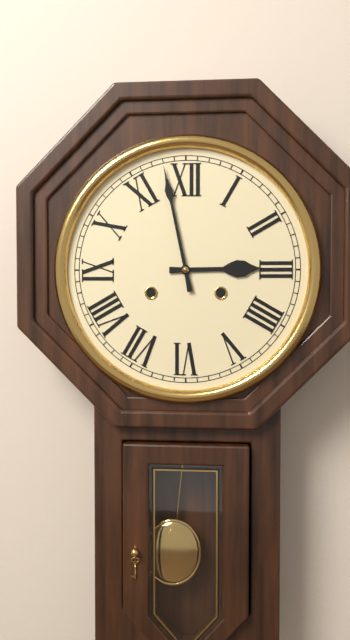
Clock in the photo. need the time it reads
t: 2:58
